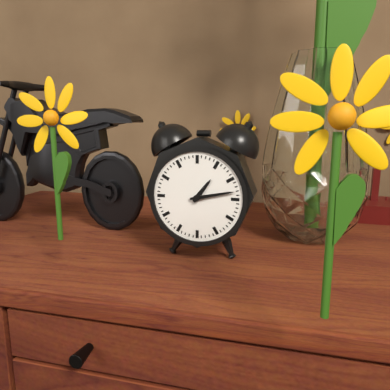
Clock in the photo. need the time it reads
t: 1:13
